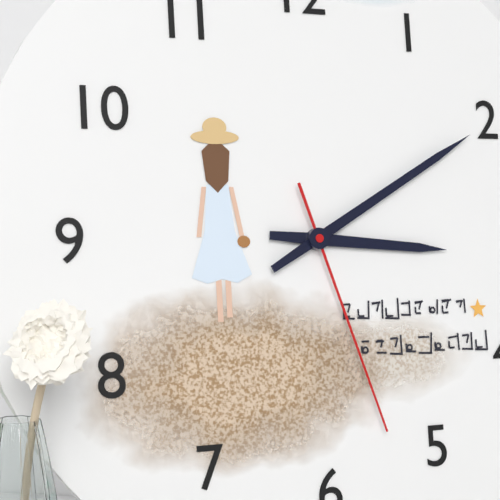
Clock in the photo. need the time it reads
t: 3:10:27
